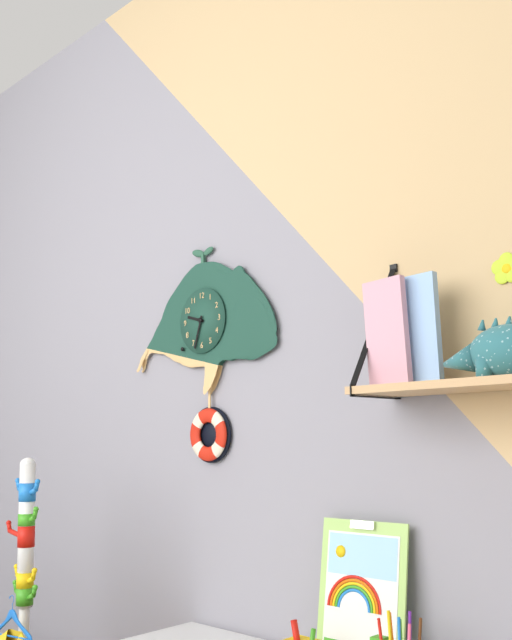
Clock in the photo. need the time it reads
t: 9:33
